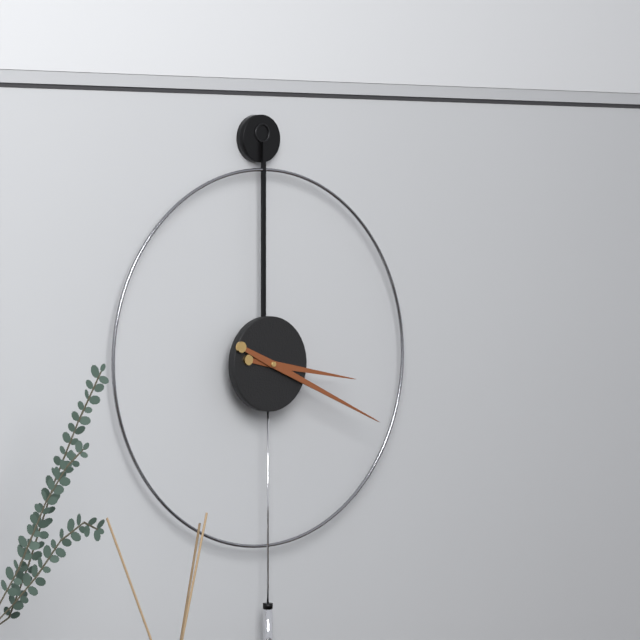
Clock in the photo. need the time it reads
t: 3:19
